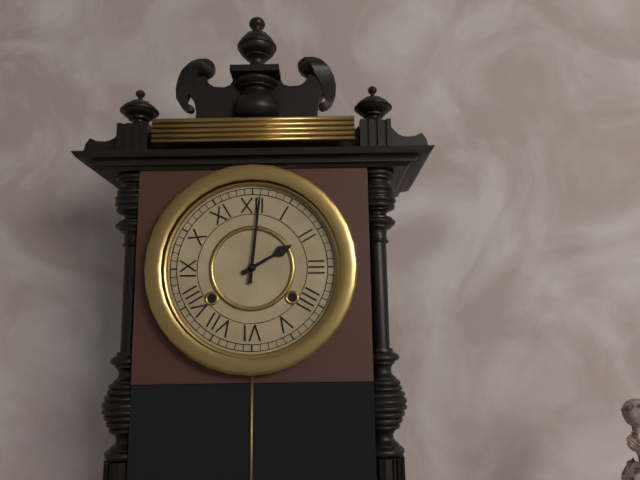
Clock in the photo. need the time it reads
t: 2:01
